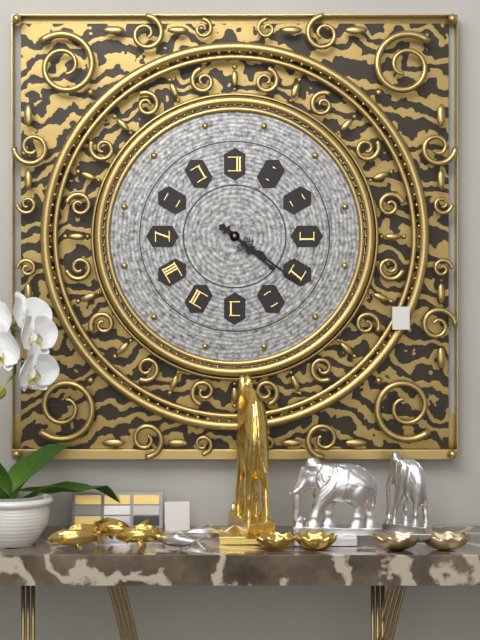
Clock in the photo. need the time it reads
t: 4:21
